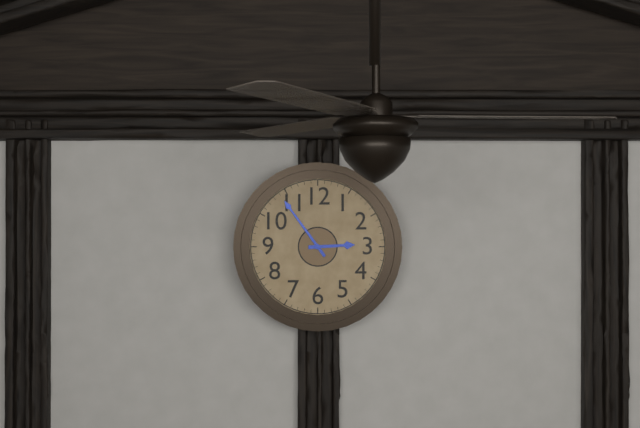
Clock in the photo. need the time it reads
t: 2:54
